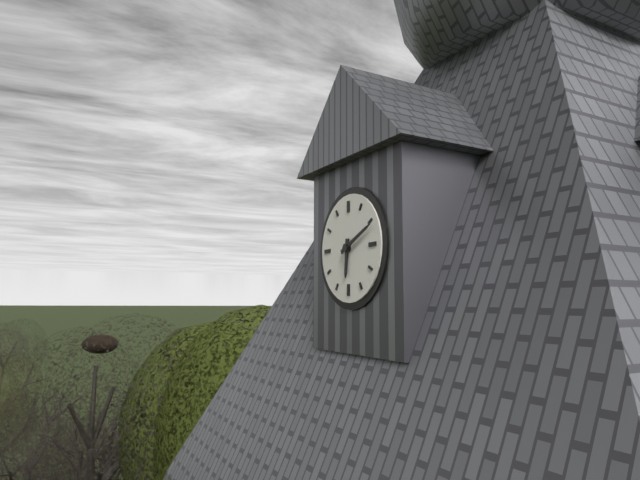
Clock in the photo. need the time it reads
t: 6:11
